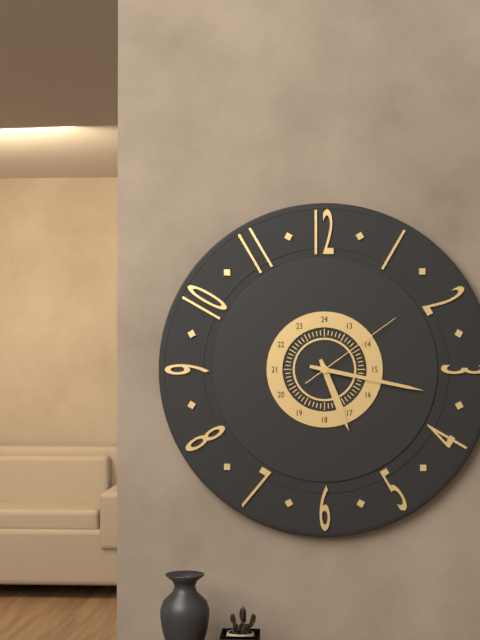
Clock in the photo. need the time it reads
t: 5:17:09
